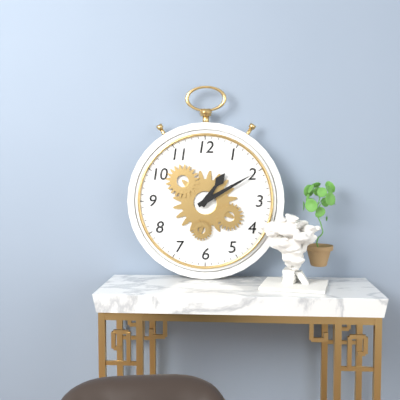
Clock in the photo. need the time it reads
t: 1:10
